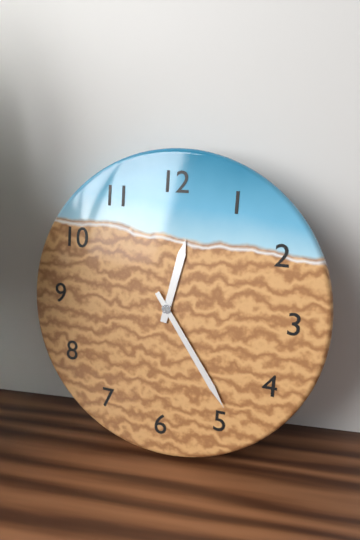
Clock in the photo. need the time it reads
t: 12:24
